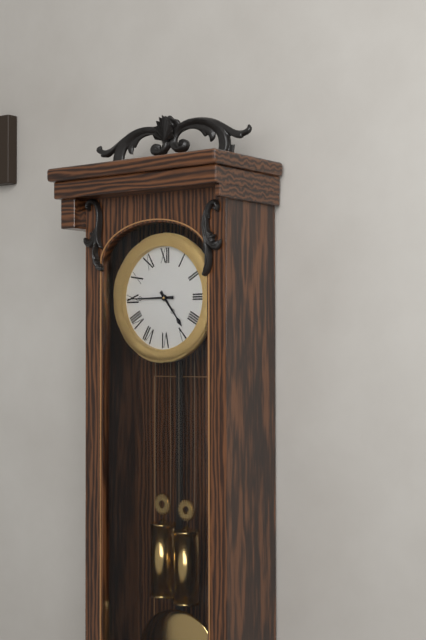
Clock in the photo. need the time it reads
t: 4:45
